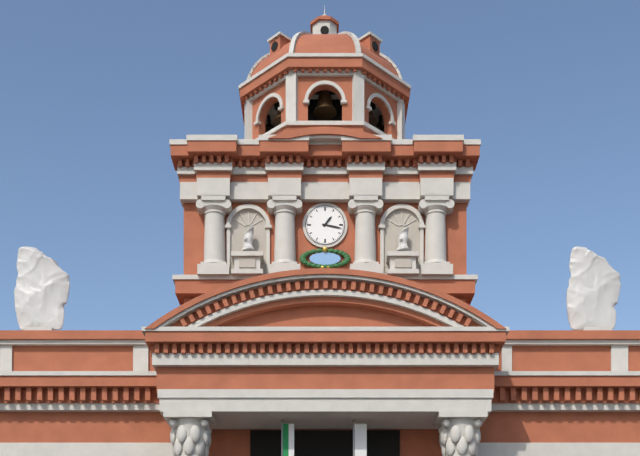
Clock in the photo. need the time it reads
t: 1:17
